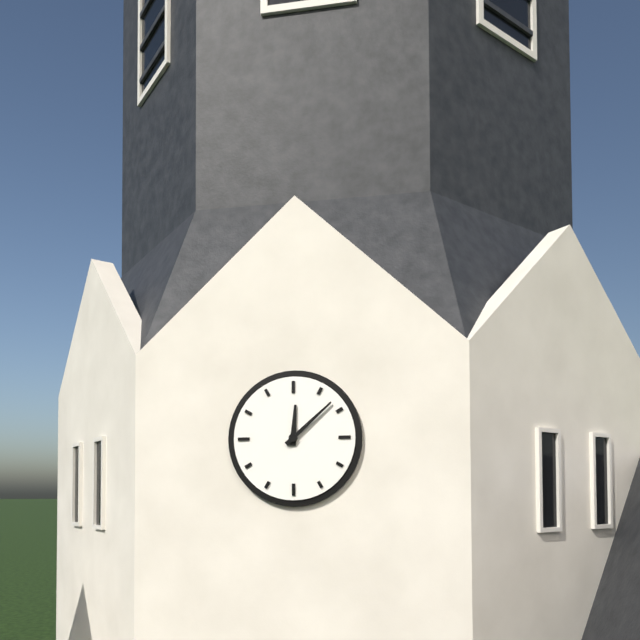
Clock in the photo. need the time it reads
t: 12:08
